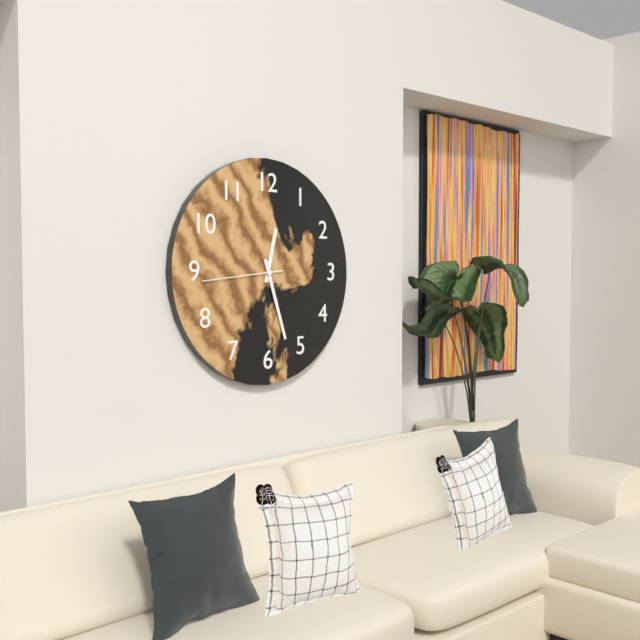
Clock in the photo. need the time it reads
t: 12:27:44
